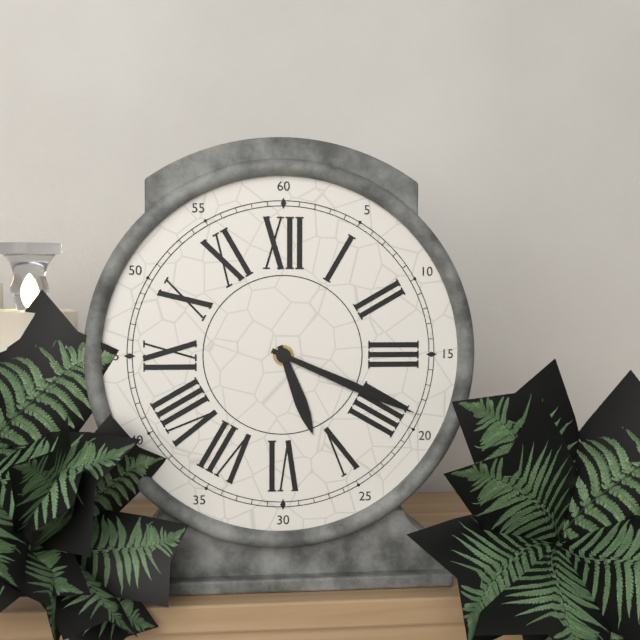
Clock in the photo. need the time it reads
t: 5:19
